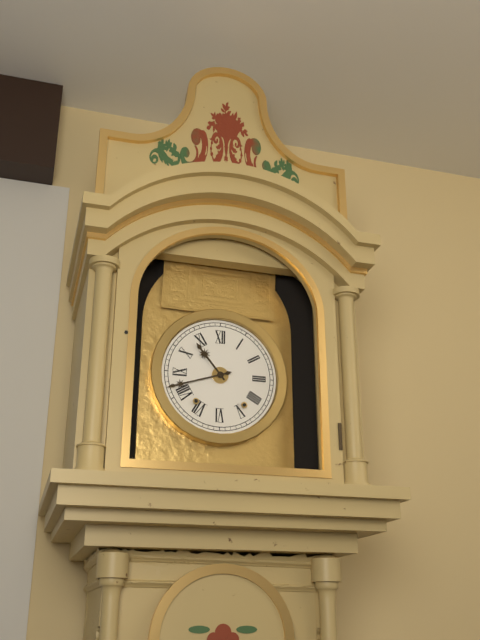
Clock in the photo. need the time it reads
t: 10:42
